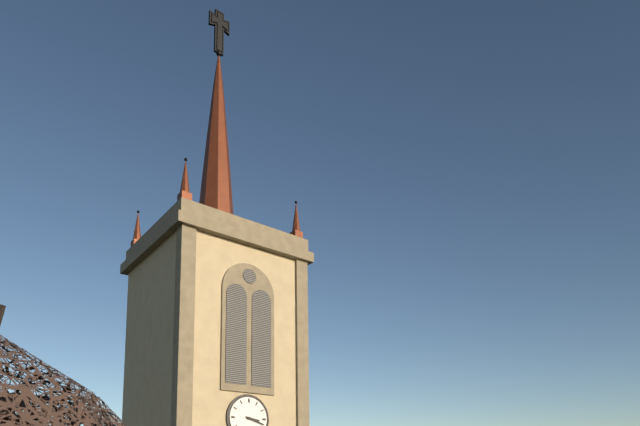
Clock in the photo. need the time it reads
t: 3:18
